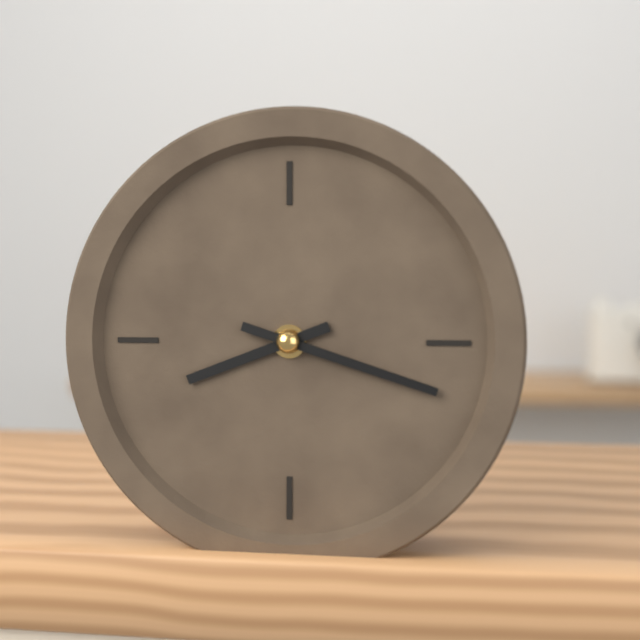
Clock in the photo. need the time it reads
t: 8:18
